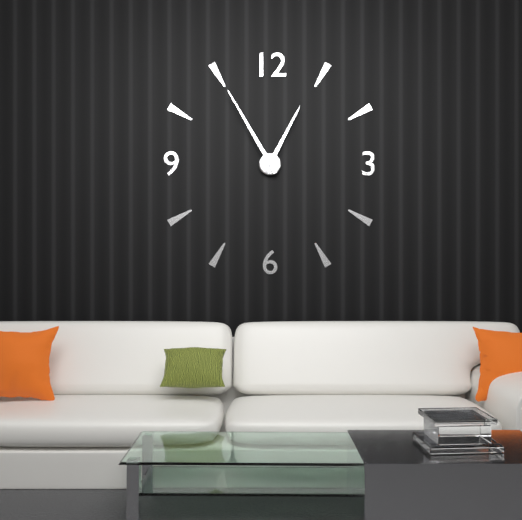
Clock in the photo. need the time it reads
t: 12:55
